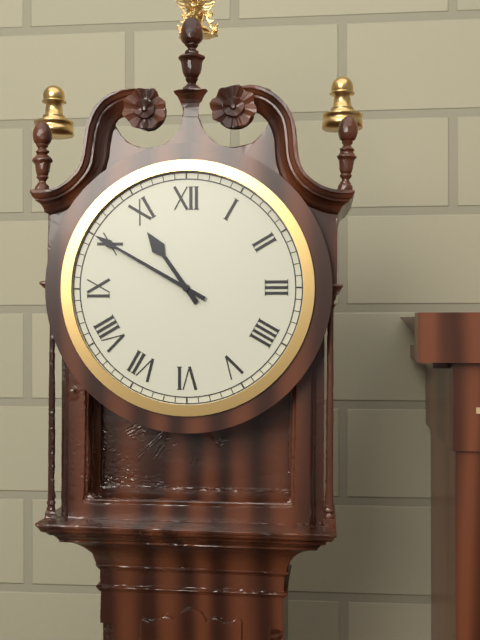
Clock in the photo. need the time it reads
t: 10:50
